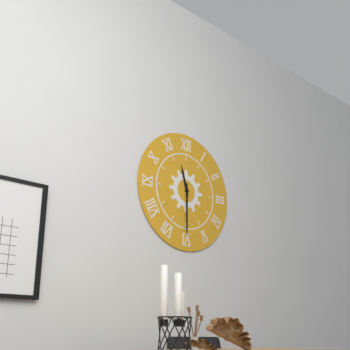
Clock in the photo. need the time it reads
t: 11:30
